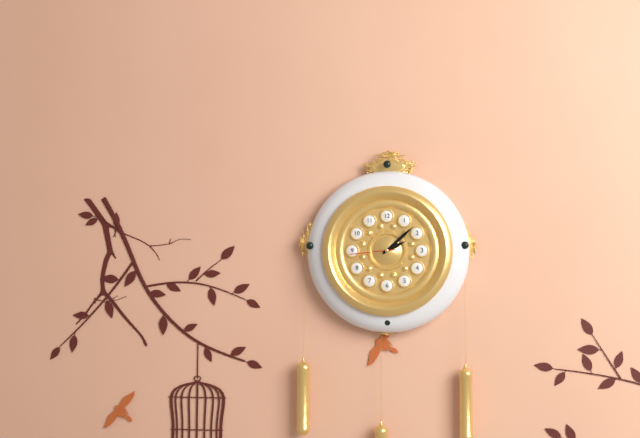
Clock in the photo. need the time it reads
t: 2:08
